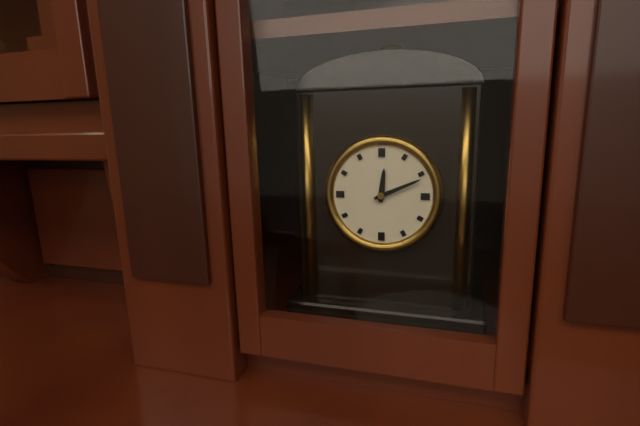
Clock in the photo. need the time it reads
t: 12:11
